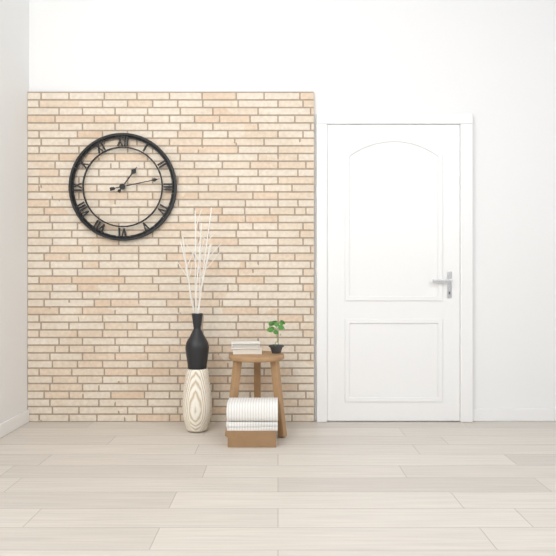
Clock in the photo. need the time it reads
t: 1:13
